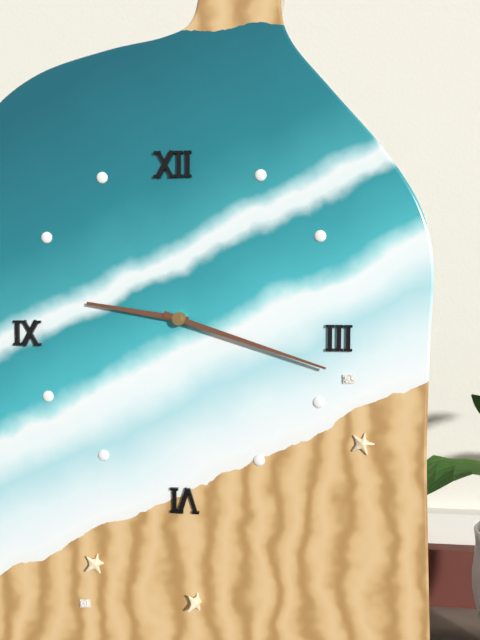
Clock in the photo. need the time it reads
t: 9:18
